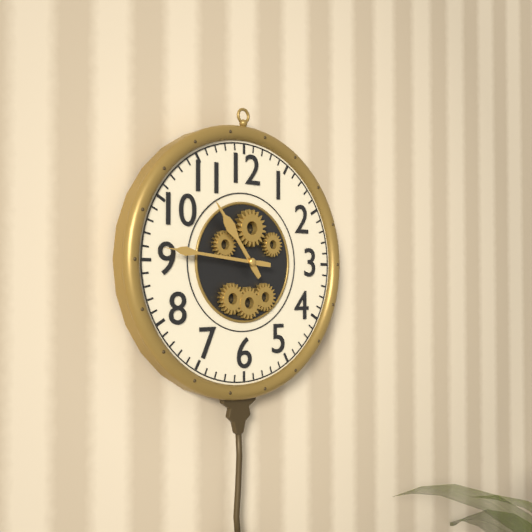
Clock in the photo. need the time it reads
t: 10:46
